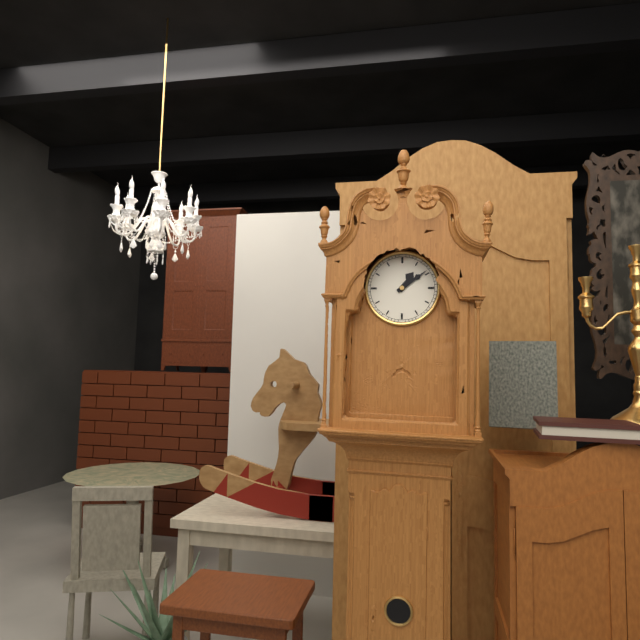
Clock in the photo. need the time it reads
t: 1:09
